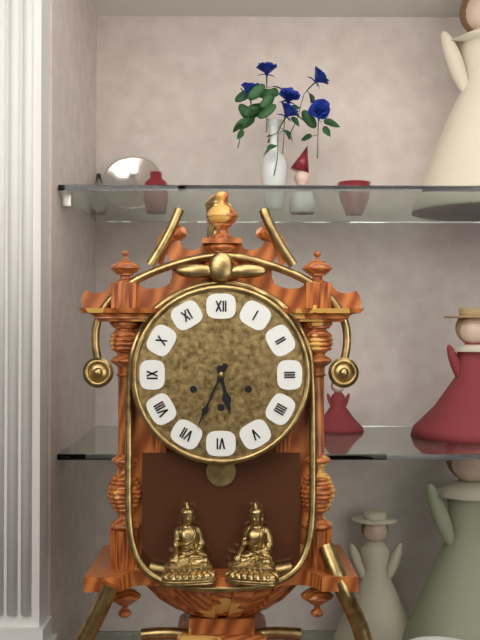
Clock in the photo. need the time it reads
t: 5:34
